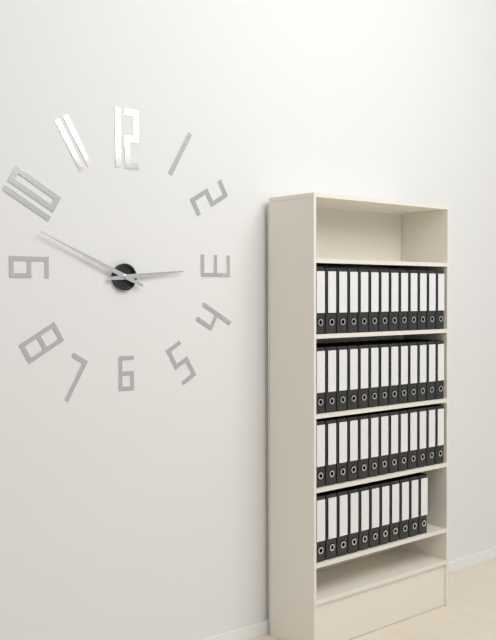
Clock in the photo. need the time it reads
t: 2:49
